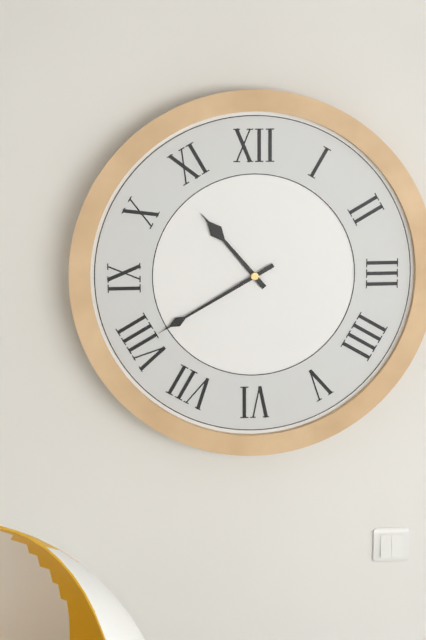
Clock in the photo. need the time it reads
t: 10:40
